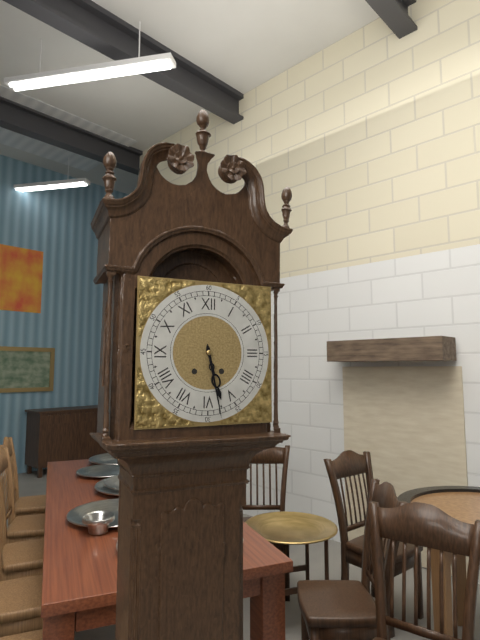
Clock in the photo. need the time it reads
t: 5:28
